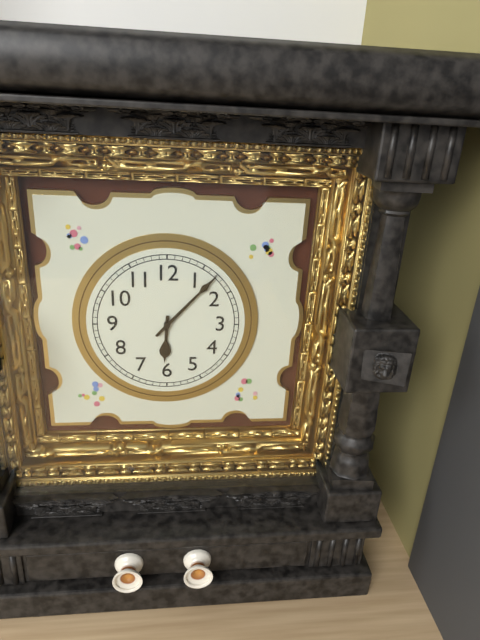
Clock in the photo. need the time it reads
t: 6:07
